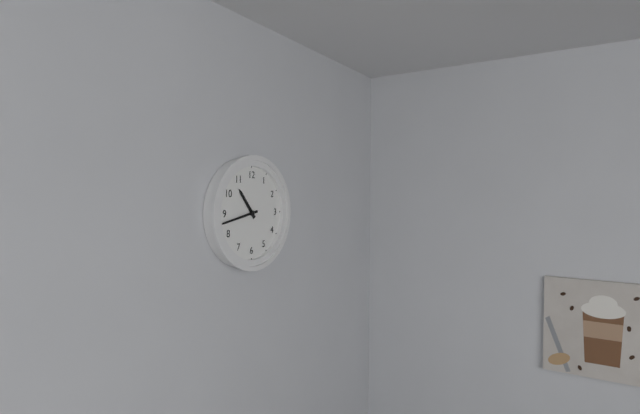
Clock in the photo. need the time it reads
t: 10:43
